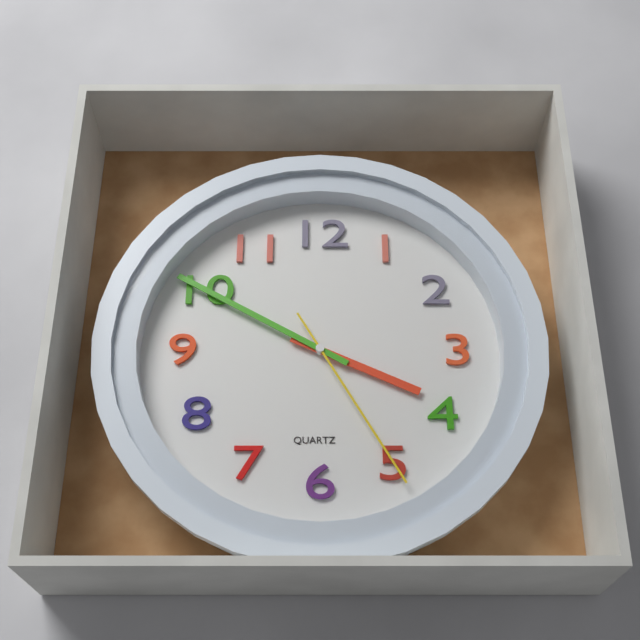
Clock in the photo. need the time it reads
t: 3:50:25
